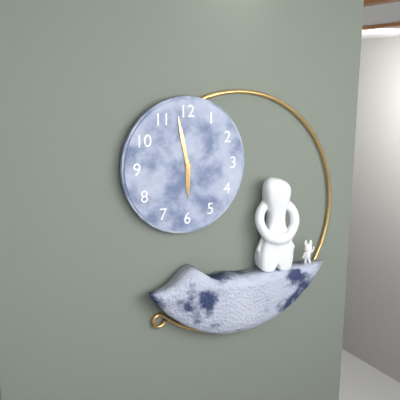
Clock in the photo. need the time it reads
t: 5:58
